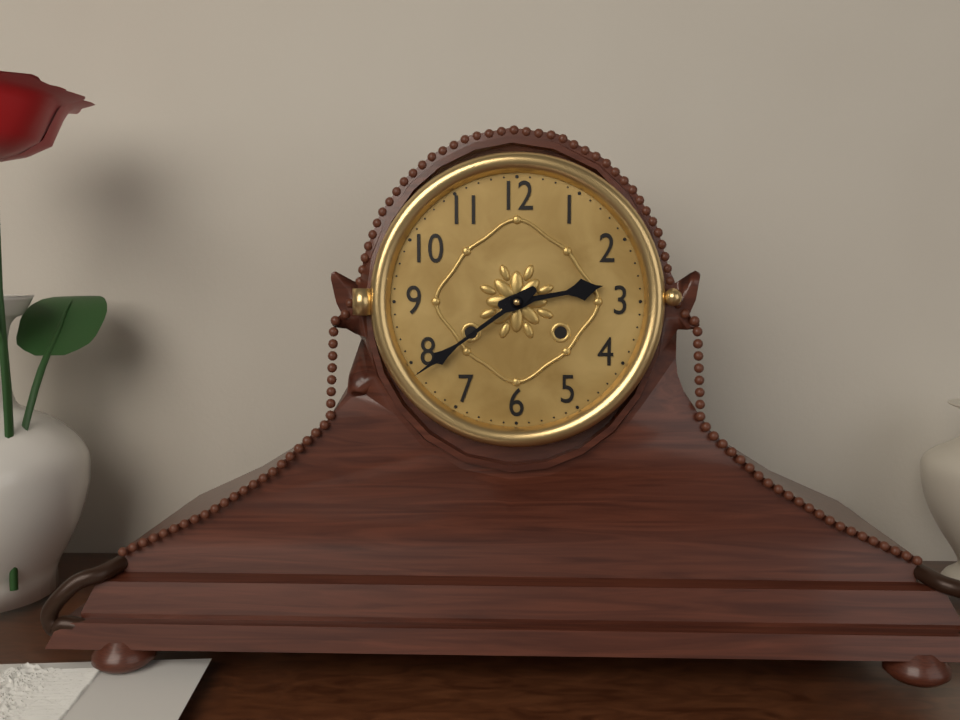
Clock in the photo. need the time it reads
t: 2:39
